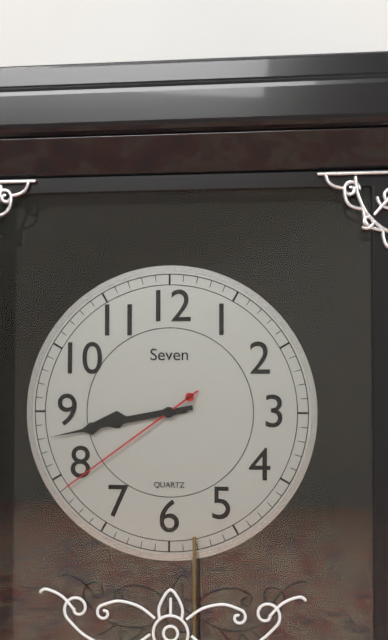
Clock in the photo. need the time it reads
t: 8:43:39
